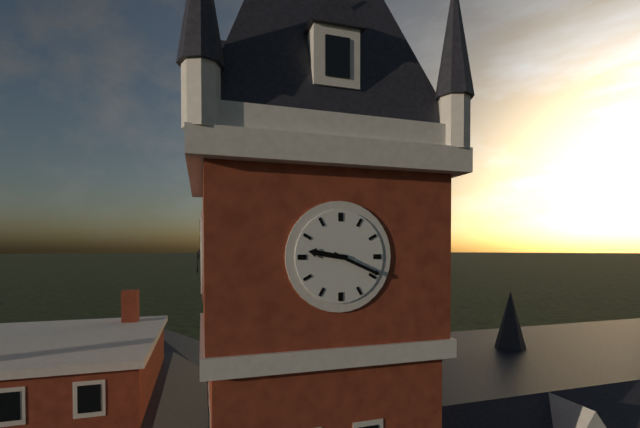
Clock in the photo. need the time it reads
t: 9:19
